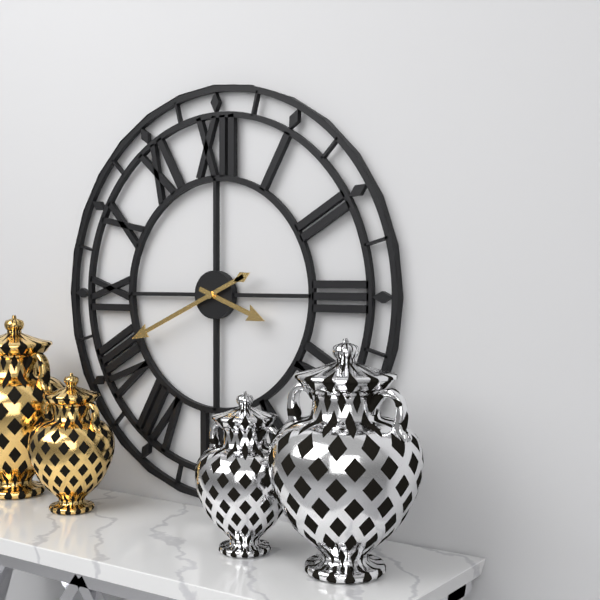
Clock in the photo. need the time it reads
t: 3:41
